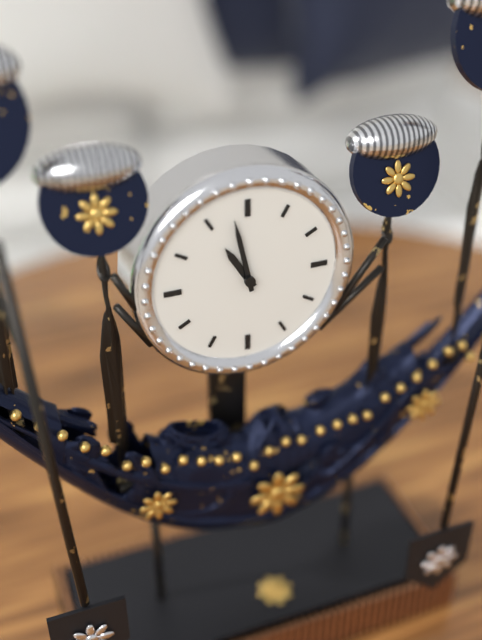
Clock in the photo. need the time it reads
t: 10:58
